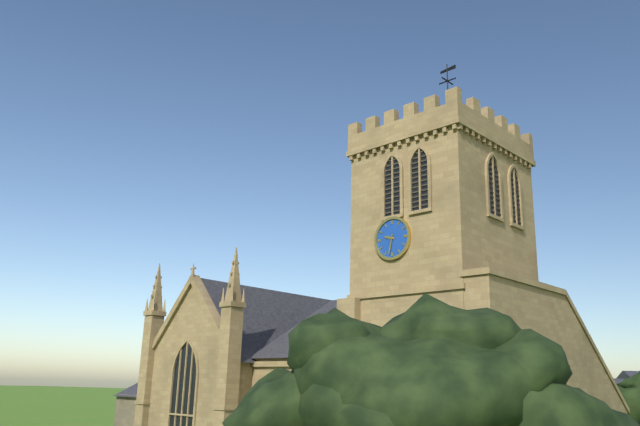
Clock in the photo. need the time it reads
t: 9:32
